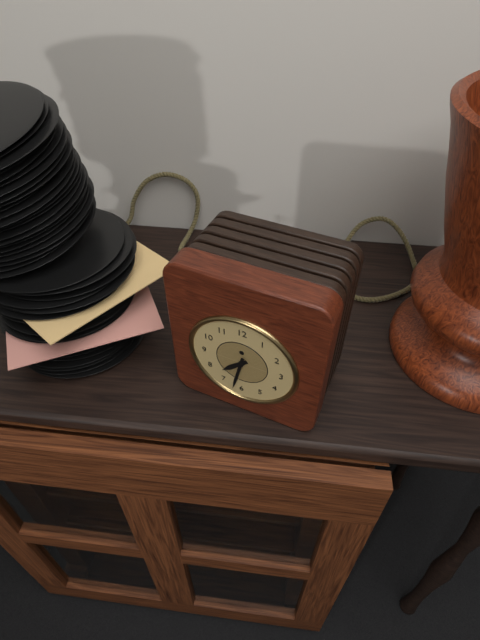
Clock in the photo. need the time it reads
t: 7:32
